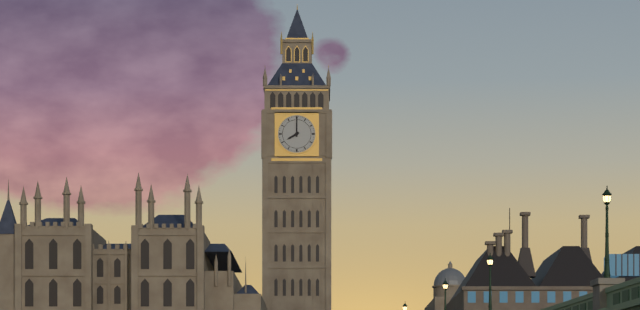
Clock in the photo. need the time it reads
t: 8:00
